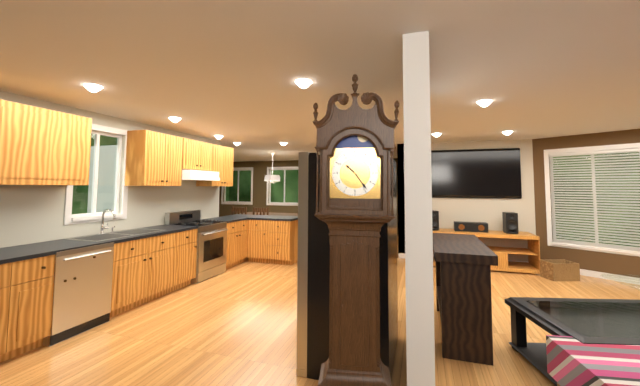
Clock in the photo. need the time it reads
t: 10:24
